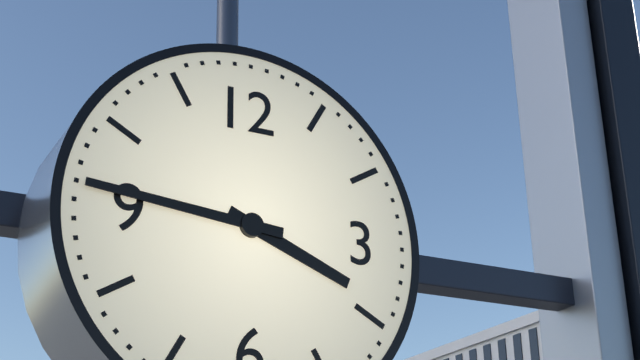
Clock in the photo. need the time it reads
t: 3:46
